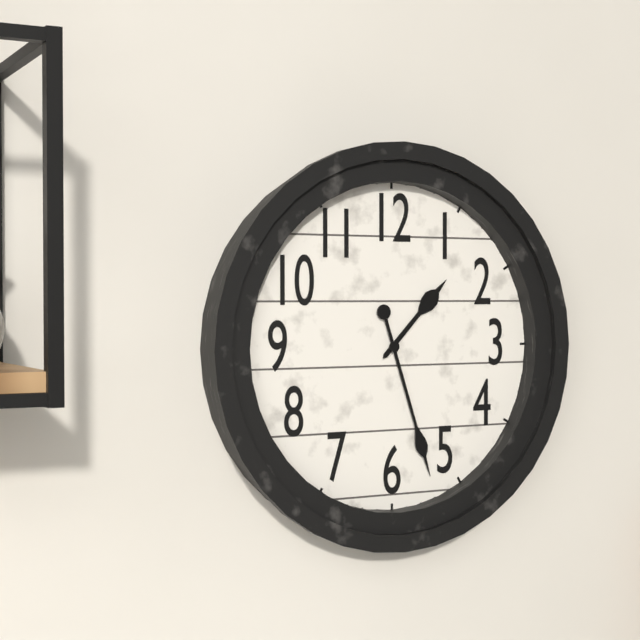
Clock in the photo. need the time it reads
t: 1:27
